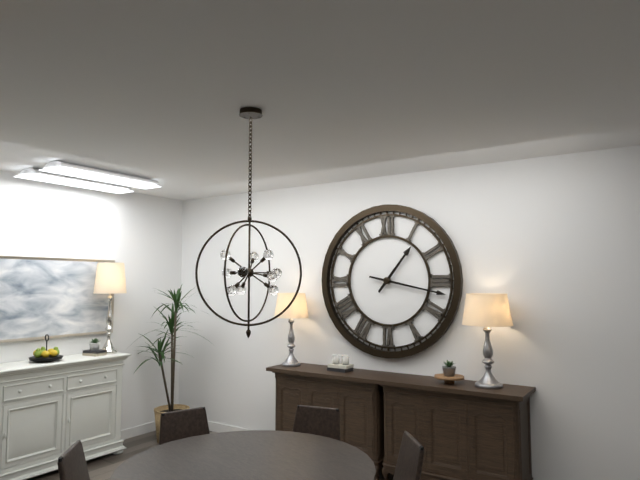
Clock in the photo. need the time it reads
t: 1:17
